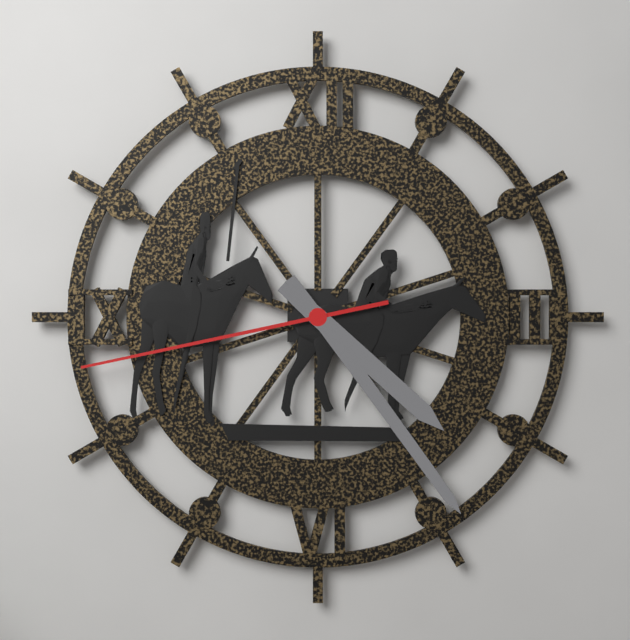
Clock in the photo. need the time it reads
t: 4:24:43
